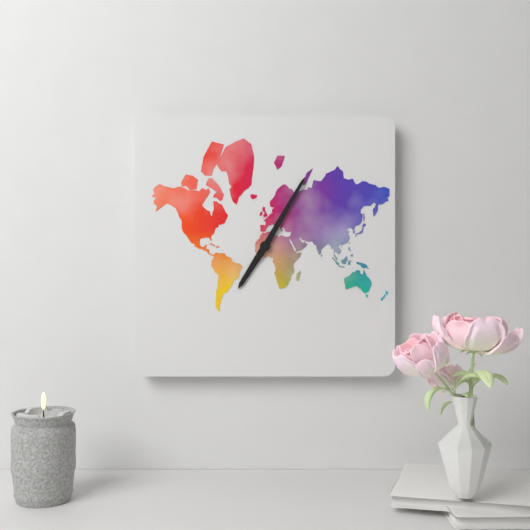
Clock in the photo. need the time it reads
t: 7:05
